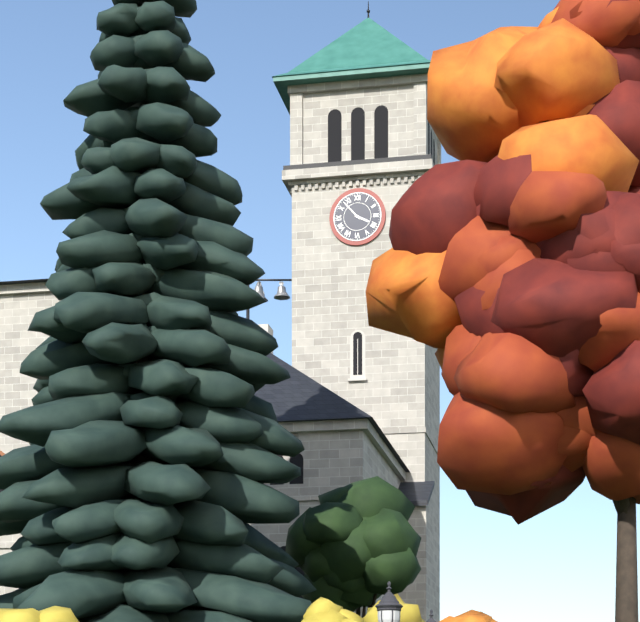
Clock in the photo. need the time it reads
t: 3:53
